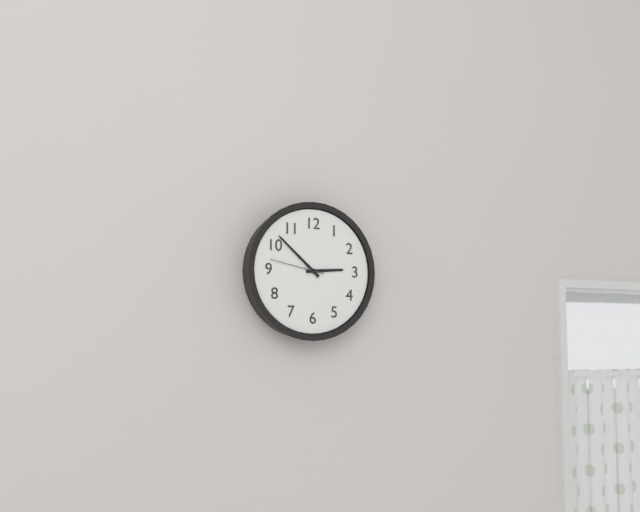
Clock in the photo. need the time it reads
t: 2:52:47
